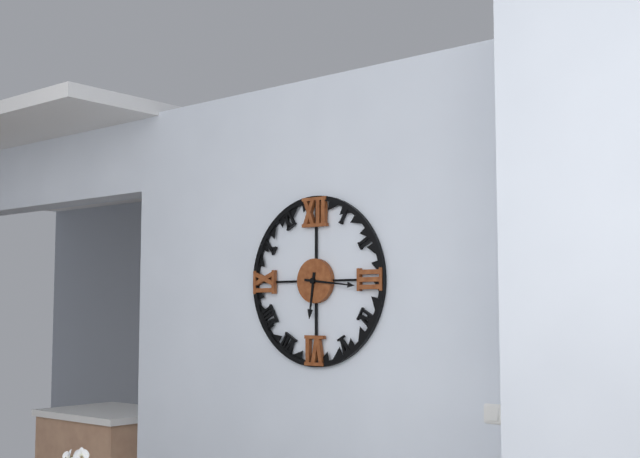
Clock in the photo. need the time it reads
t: 6:16
